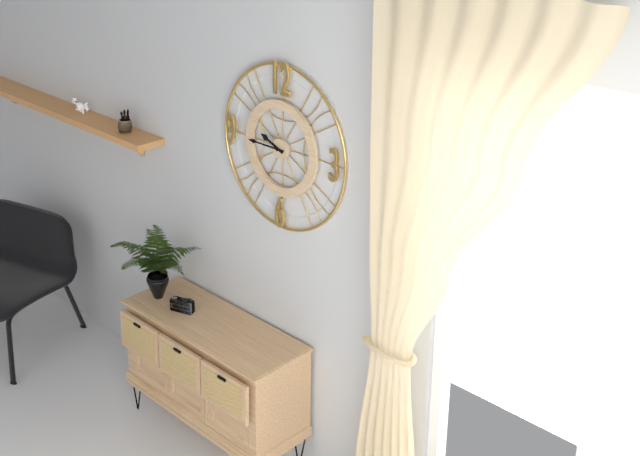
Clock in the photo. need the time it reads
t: 9:45
